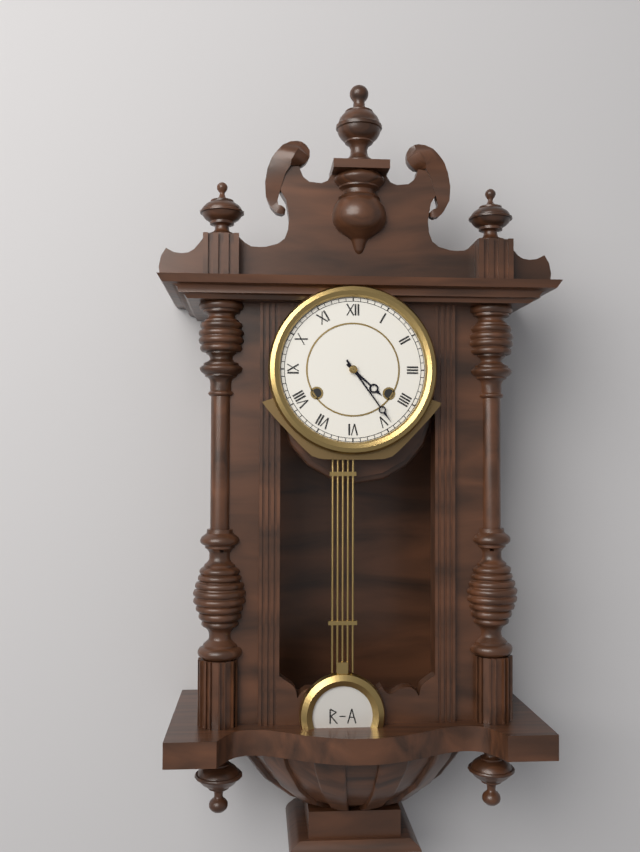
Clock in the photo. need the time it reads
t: 4:24
